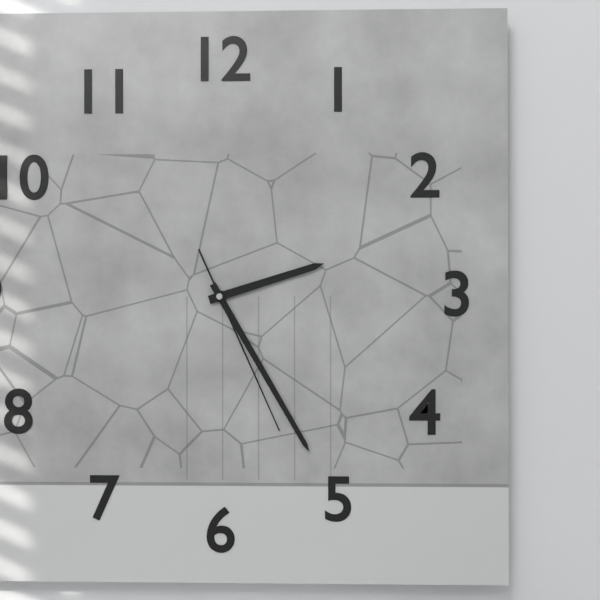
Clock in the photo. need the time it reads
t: 2:25:26
